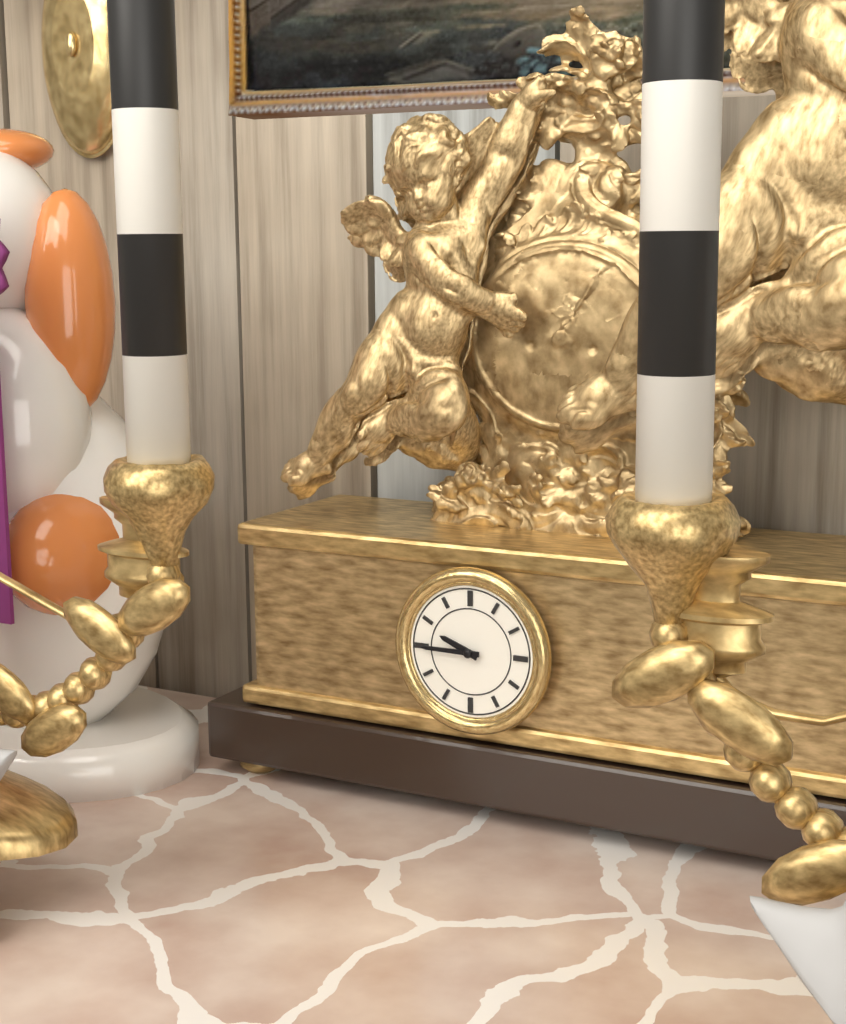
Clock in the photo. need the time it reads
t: 9:45
